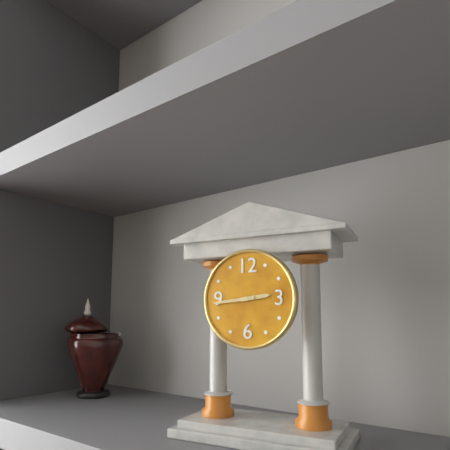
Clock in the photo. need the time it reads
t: 2:44
